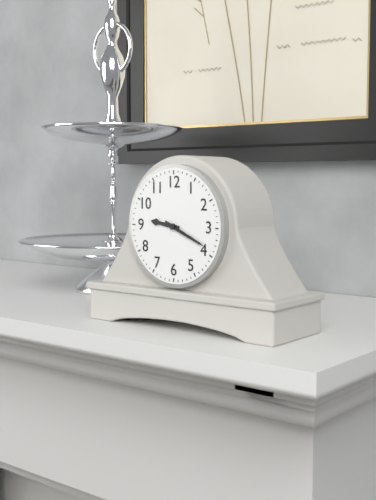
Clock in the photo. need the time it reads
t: 9:19
